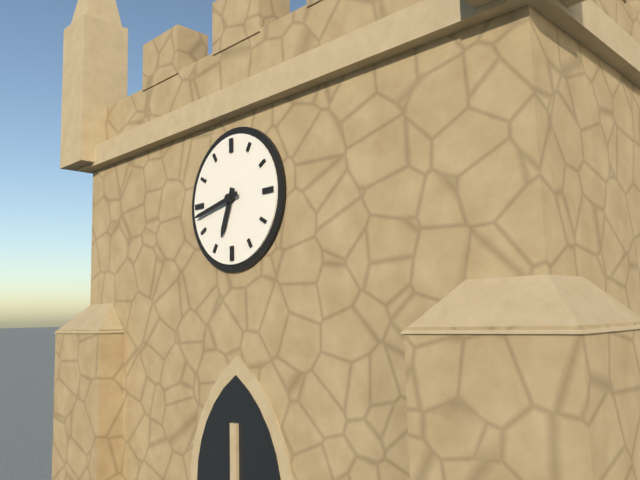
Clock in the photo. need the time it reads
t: 6:43
